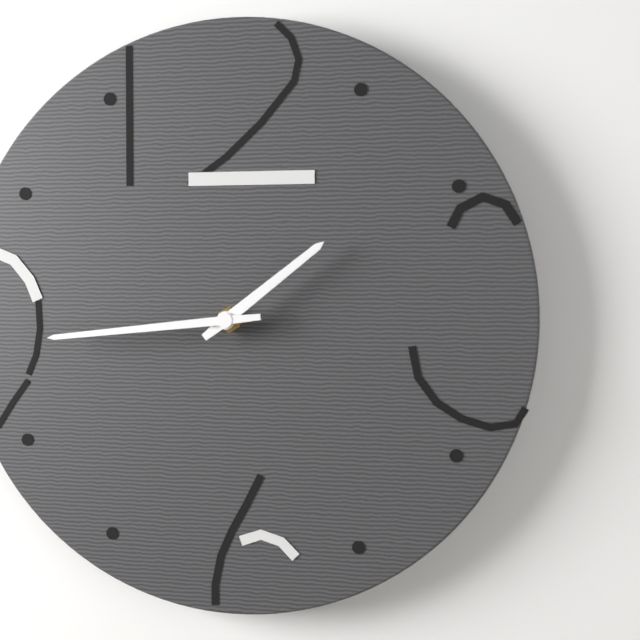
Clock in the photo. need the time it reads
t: 1:44
